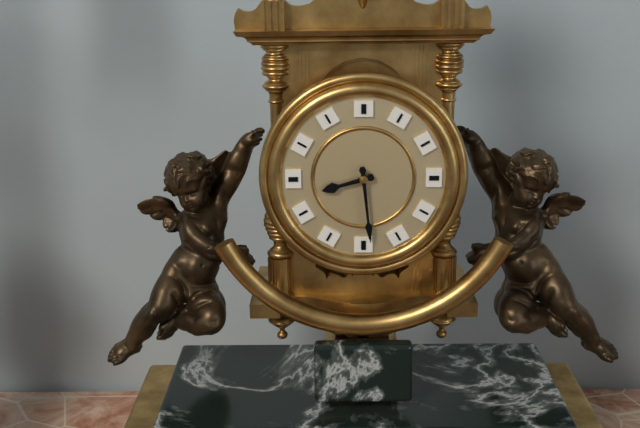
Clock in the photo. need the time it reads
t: 8:29
